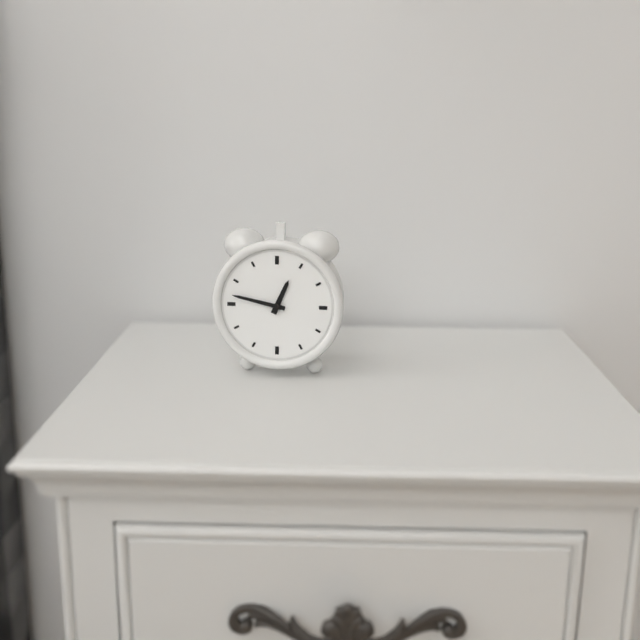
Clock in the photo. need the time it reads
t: 12:47
